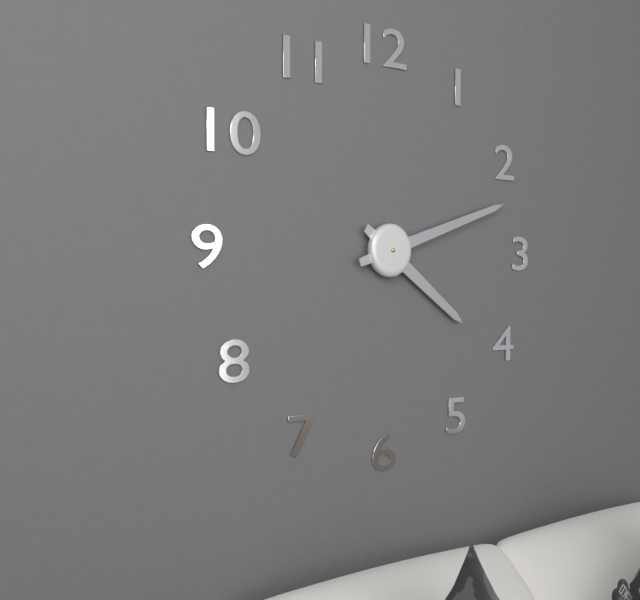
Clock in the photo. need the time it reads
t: 4:12
